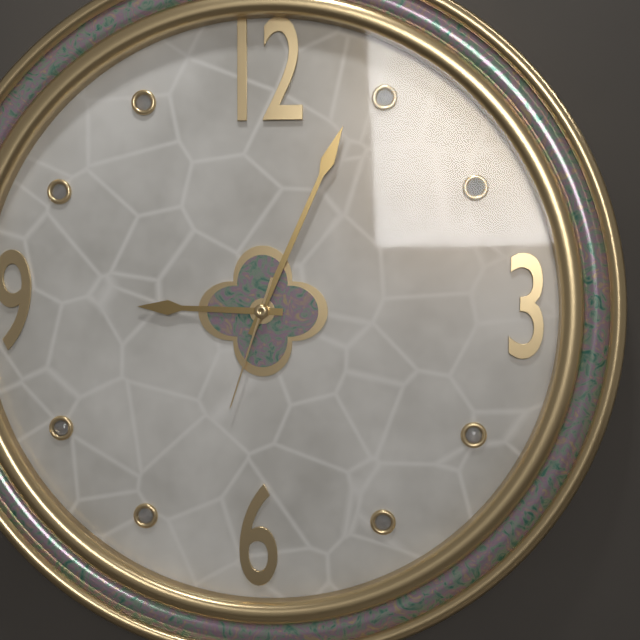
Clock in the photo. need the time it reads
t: 9:04:33
